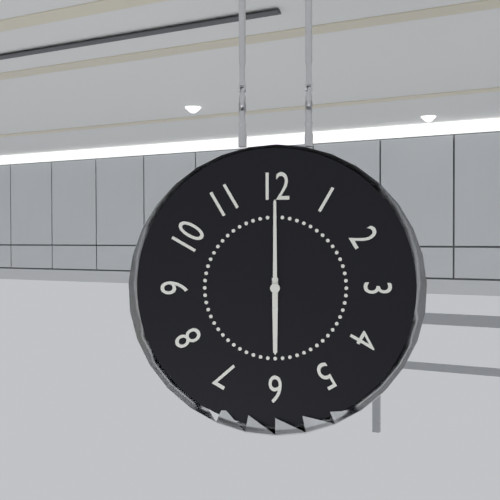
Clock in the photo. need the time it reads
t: 6:00
